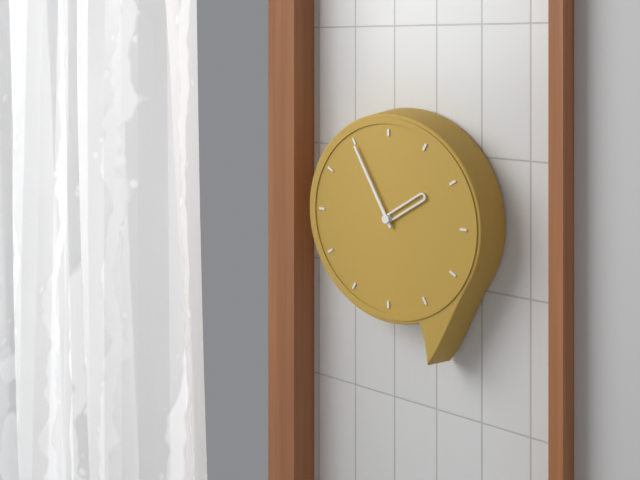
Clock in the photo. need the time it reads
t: 1:55
